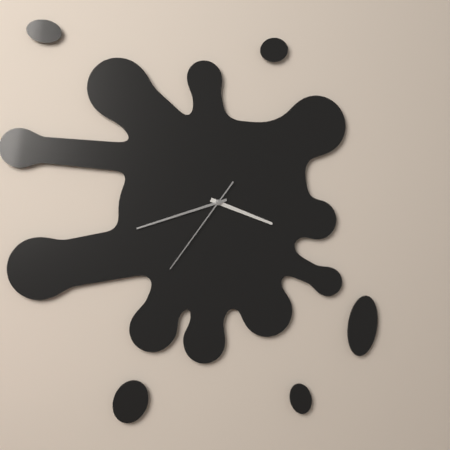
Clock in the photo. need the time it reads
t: 3:42:36
